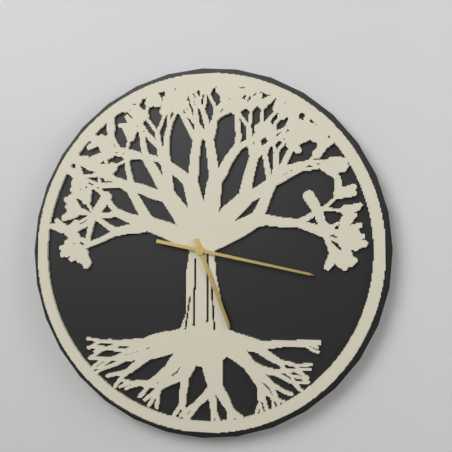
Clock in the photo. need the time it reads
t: 5:17
